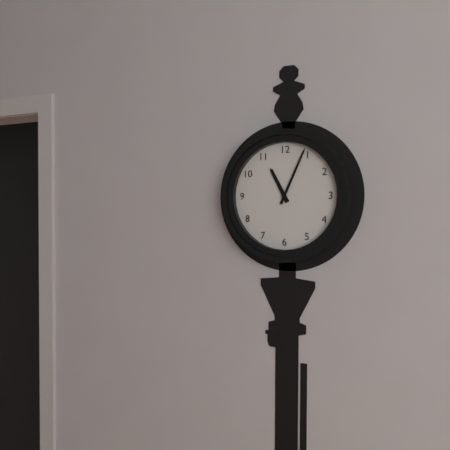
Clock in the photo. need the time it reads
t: 11:04
